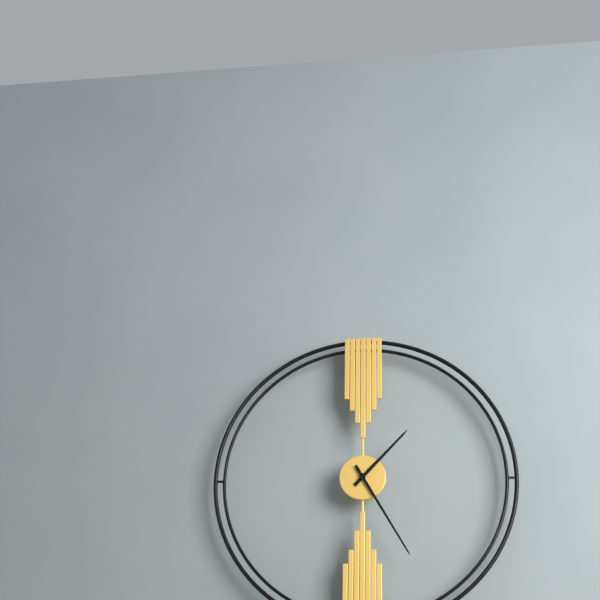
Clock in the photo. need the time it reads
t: 1:25
